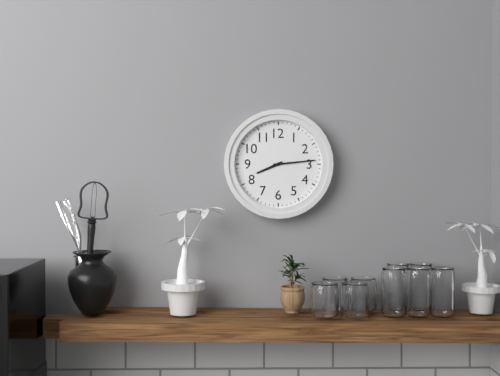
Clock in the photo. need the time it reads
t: 8:14
